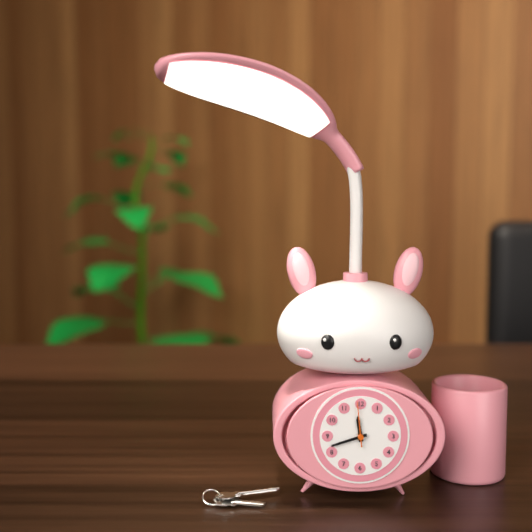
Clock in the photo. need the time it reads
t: 11:42
